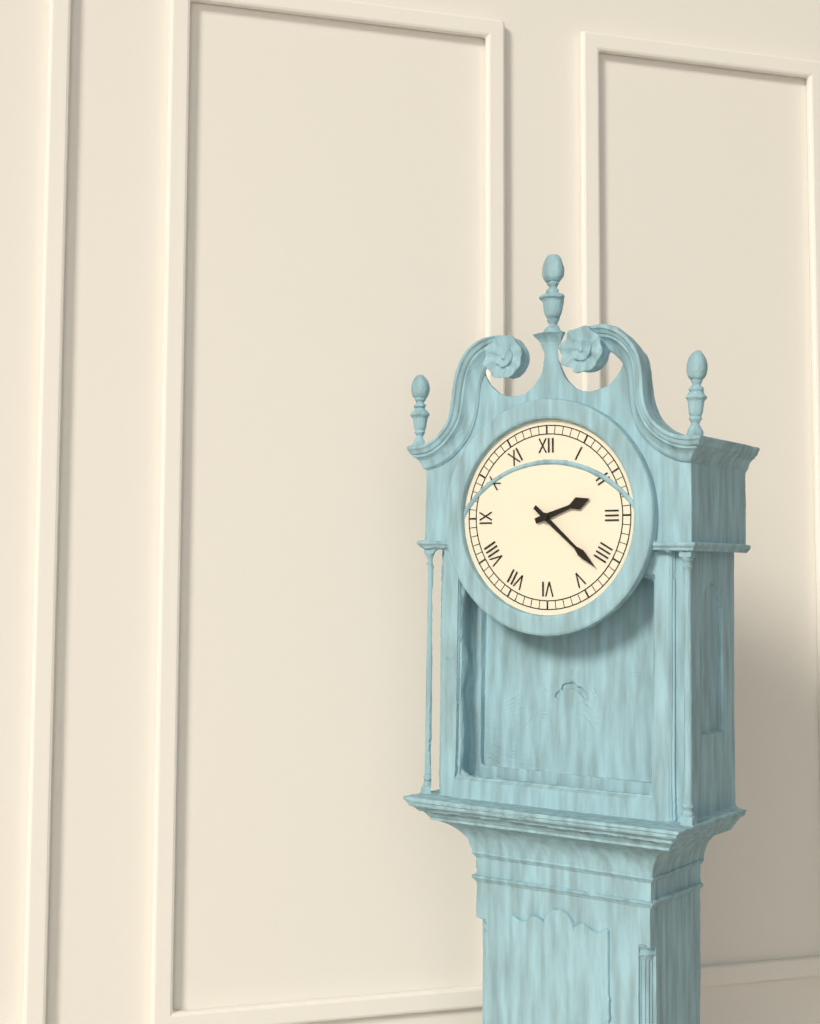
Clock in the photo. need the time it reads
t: 2:22
